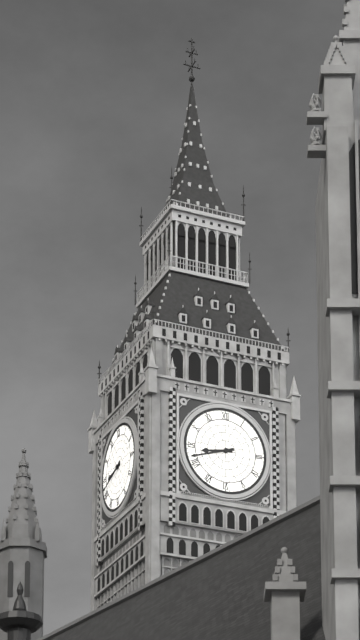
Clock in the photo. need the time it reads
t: 8:42
